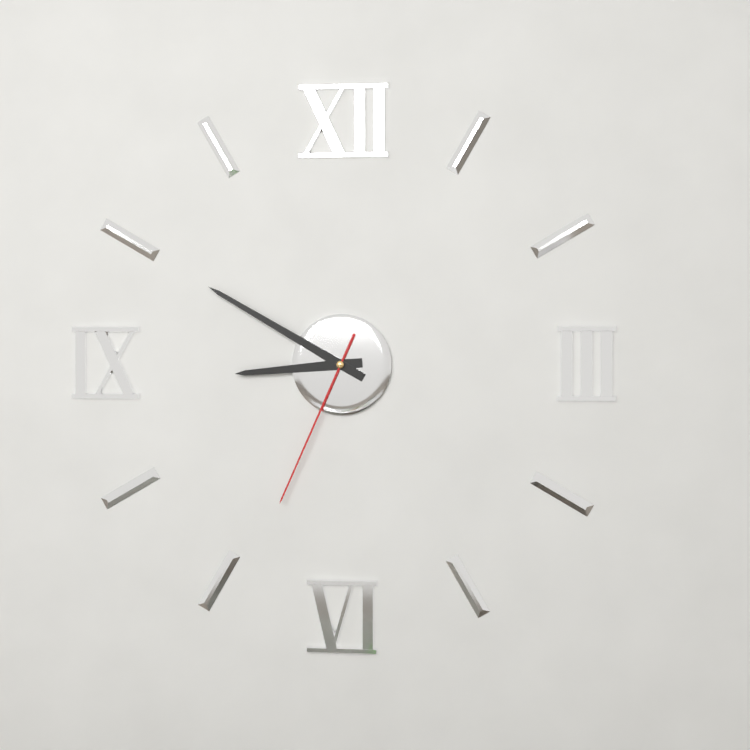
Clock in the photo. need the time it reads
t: 8:50:34
